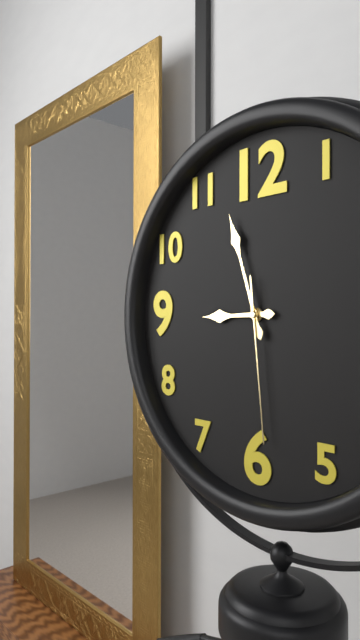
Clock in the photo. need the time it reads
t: 8:57:29
